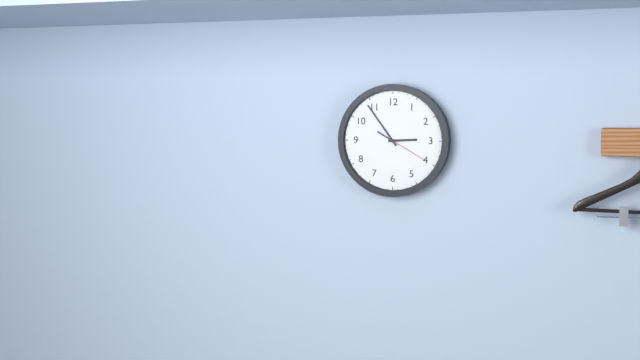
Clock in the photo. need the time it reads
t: 2:54
